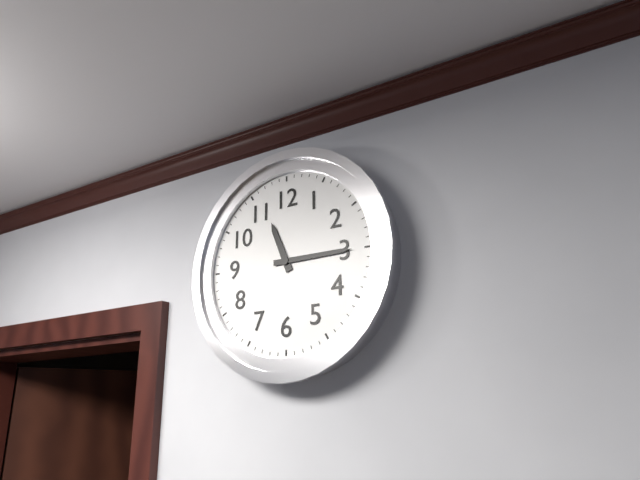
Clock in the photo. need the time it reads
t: 11:15
